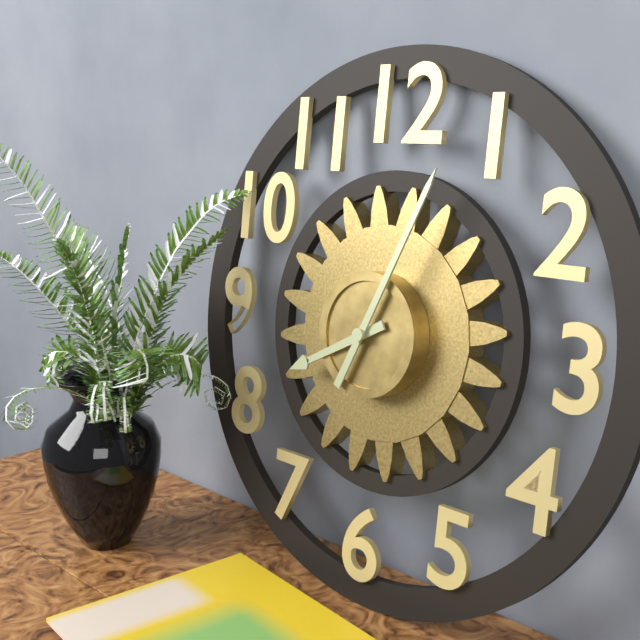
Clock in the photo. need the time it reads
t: 8:04
